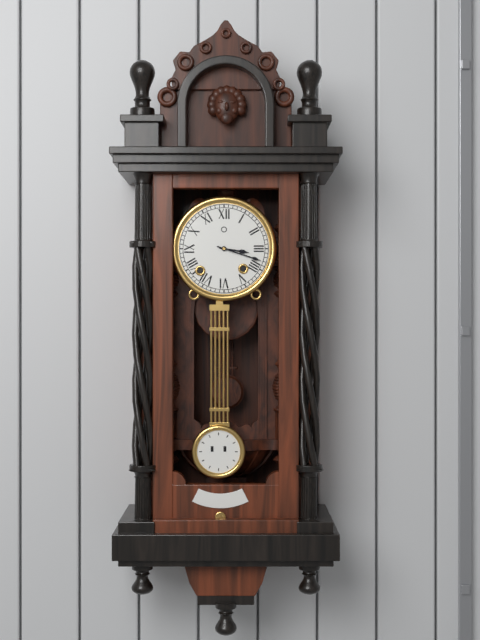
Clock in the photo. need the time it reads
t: 3:18
